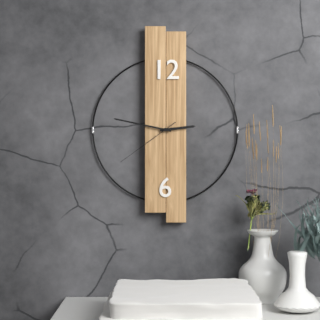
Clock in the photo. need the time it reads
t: 2:47:39
